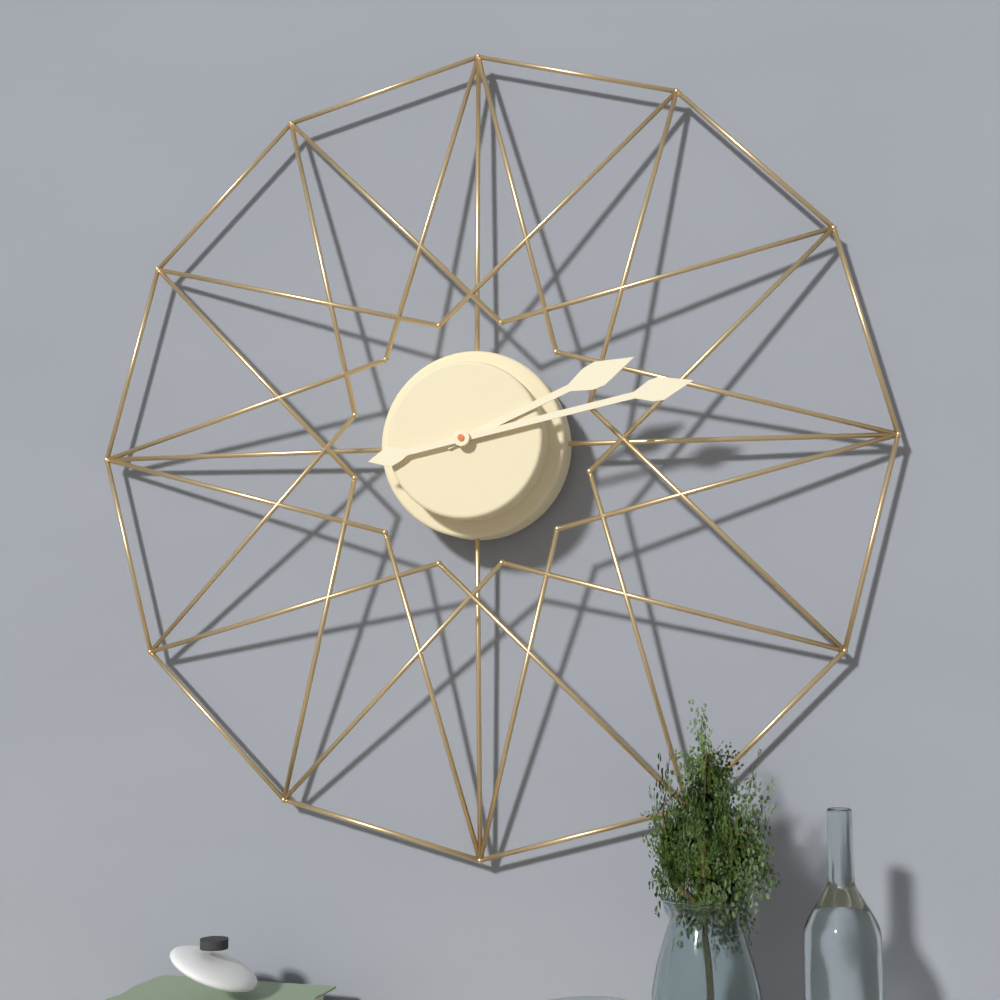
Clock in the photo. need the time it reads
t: 2:13
